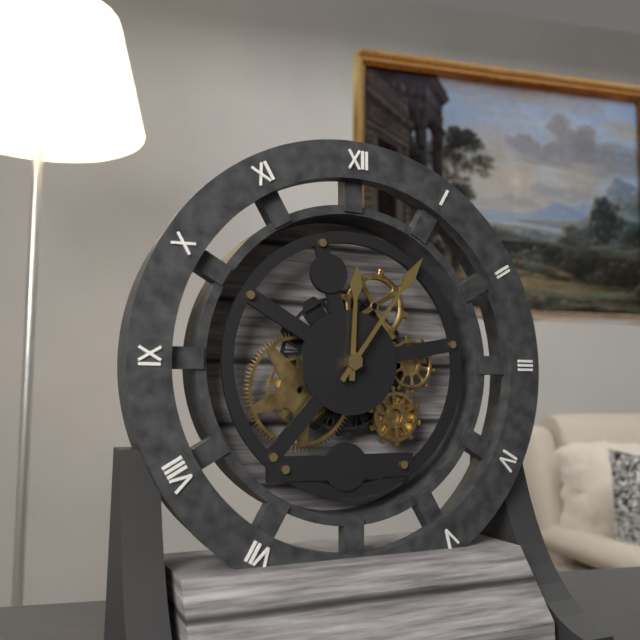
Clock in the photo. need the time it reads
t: 12:06
